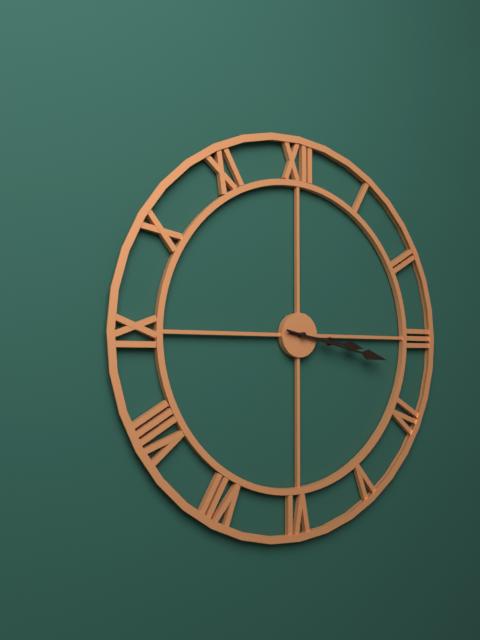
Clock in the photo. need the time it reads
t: 3:17
